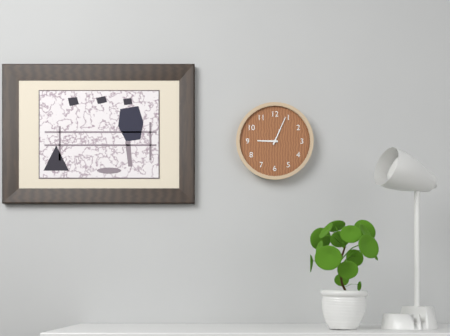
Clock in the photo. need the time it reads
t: 9:04
